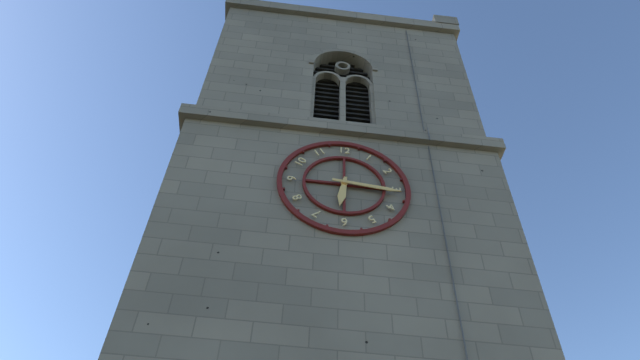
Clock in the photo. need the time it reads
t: 6:16
